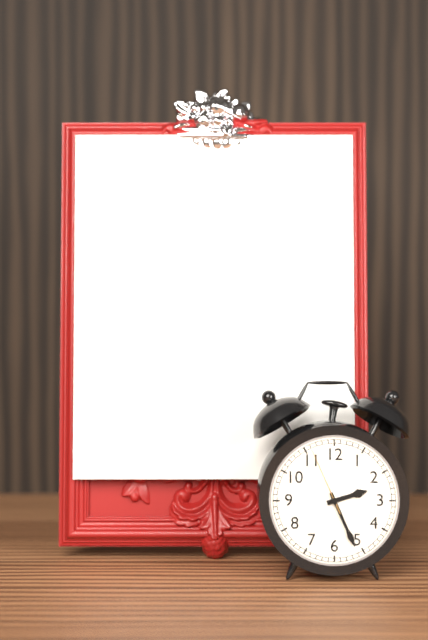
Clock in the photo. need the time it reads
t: 2:26:56
